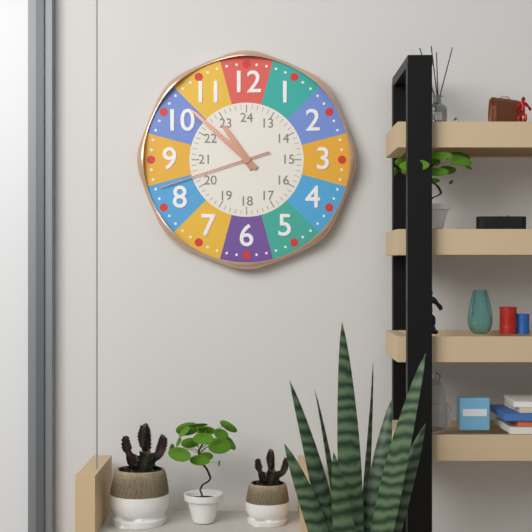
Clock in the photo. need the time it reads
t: 10:52:42
